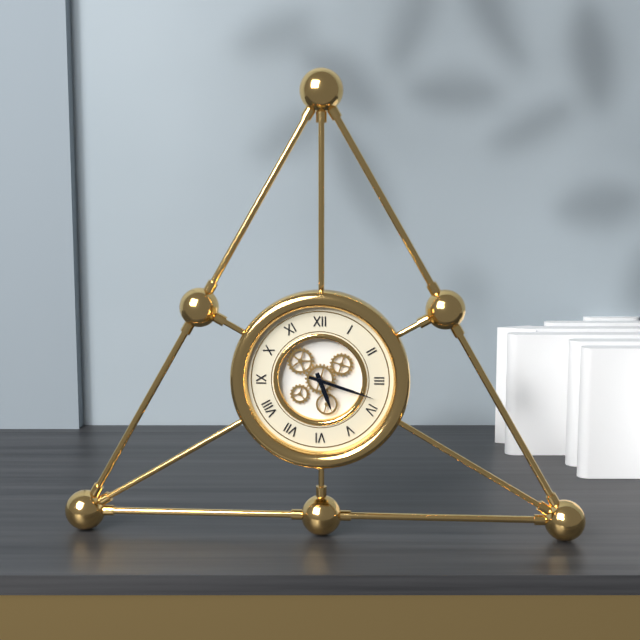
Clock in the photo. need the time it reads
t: 5:18
